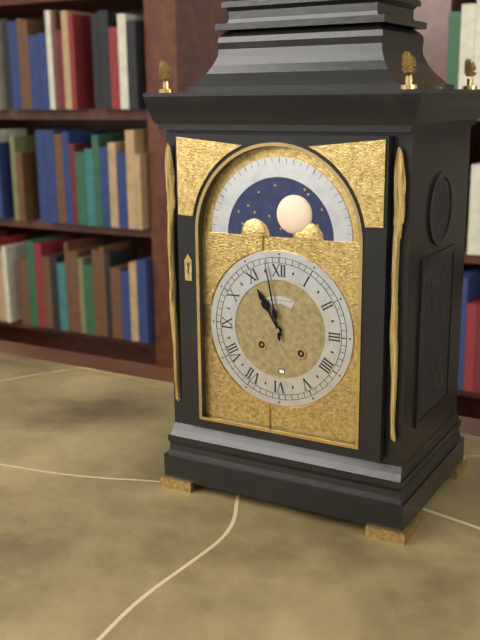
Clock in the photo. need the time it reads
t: 10:58
